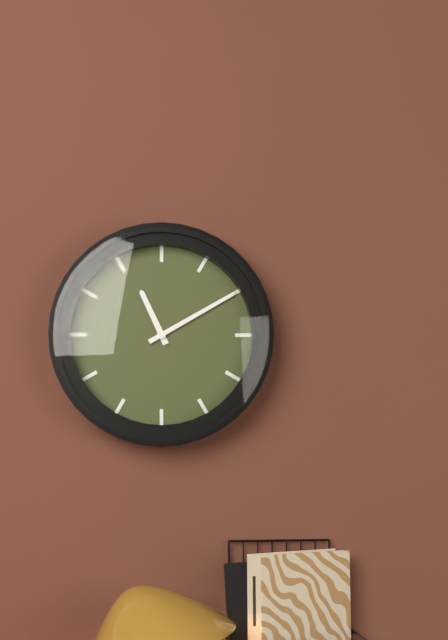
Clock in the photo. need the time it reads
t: 11:10
